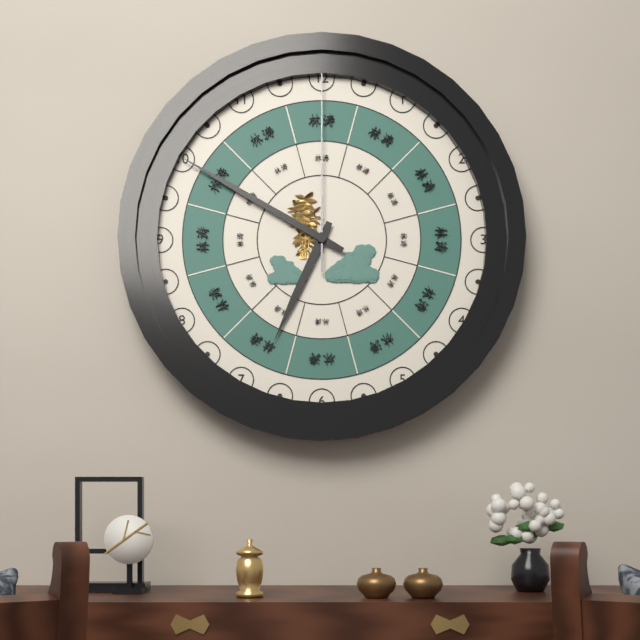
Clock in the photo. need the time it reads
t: 6:50:00
